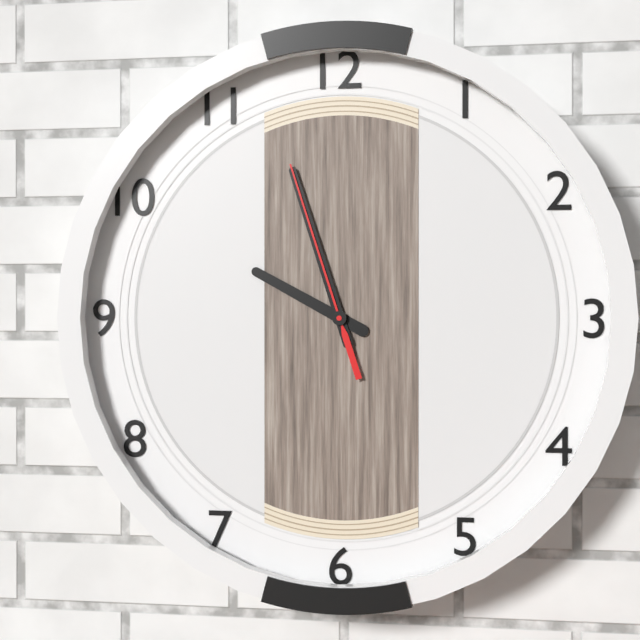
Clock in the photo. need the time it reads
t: 9:57:57
